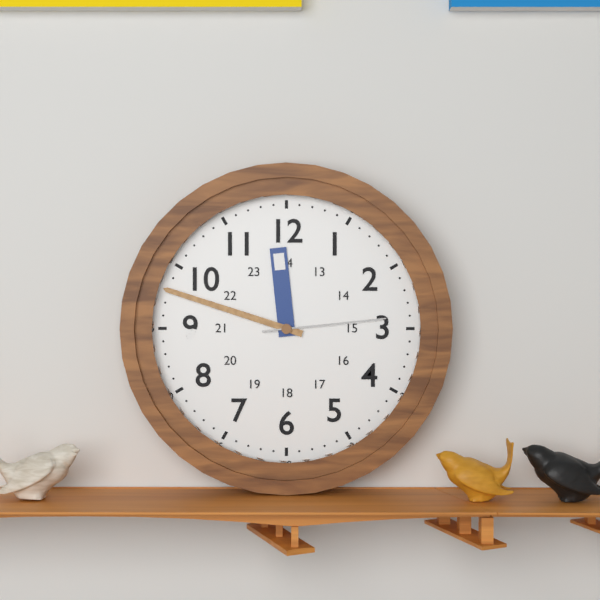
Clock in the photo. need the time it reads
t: 11:48:14
